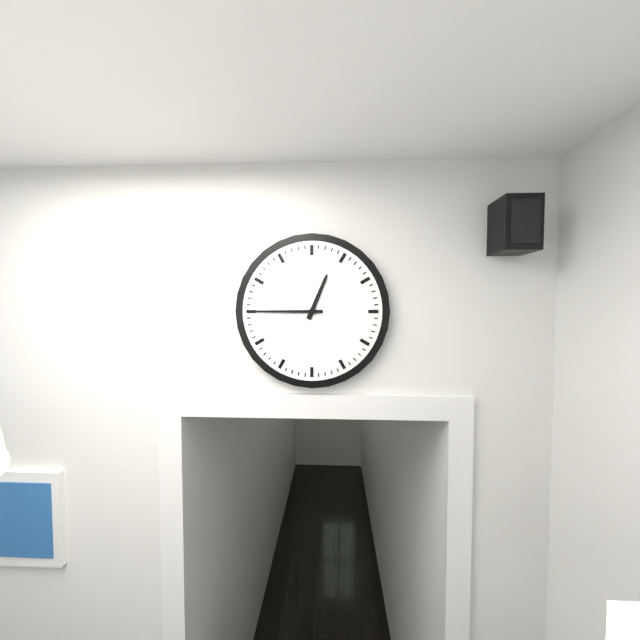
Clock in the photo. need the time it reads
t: 12:45
